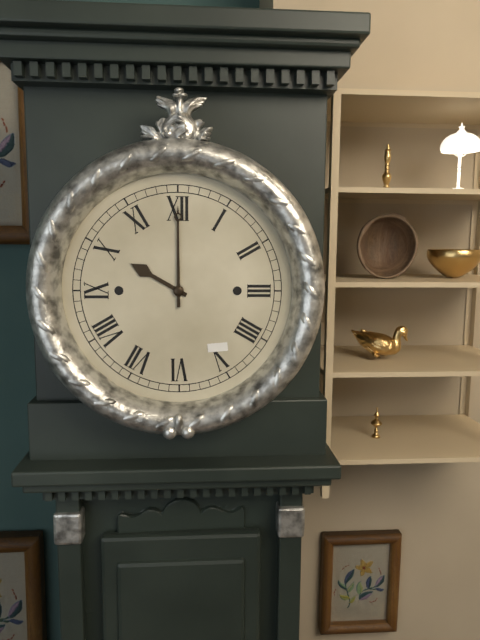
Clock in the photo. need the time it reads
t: 10:00
